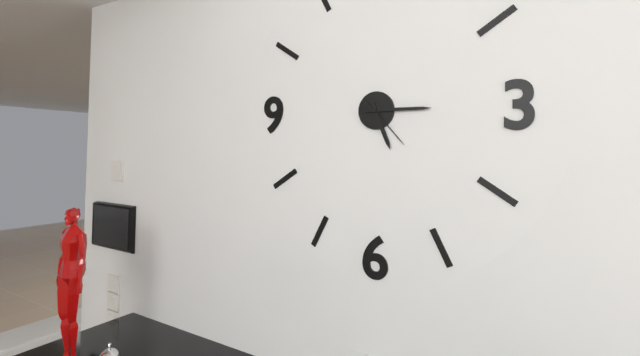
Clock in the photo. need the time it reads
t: 5:15:23
